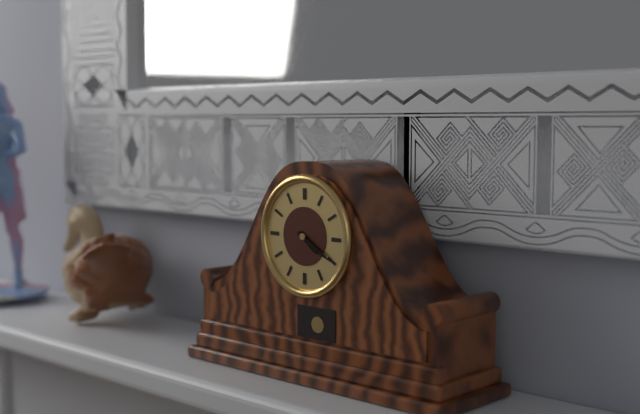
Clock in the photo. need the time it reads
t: 4:20
